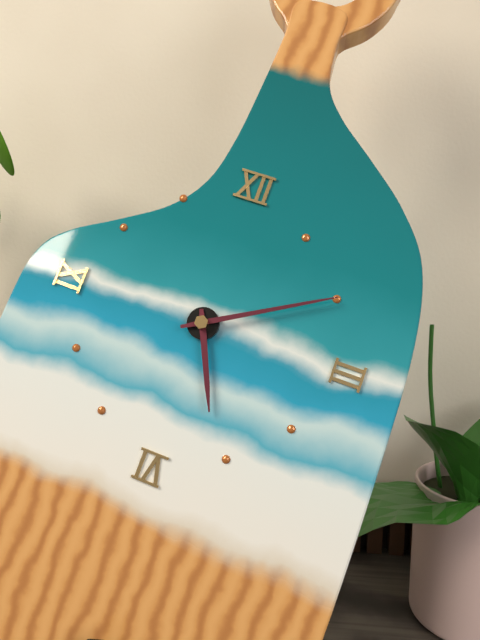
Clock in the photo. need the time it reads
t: 5:10
